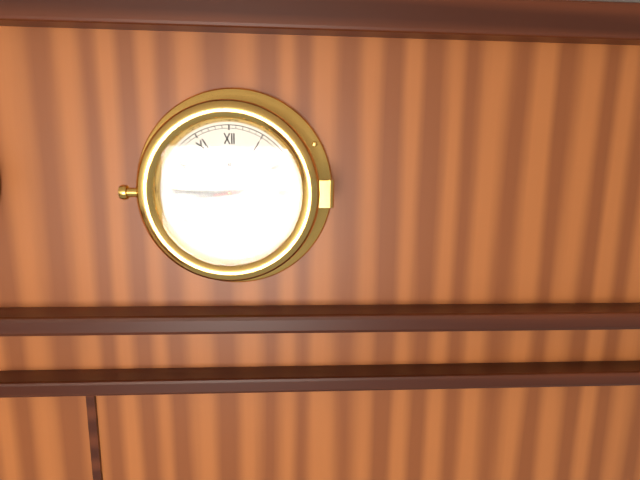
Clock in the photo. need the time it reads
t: 8:45:13
